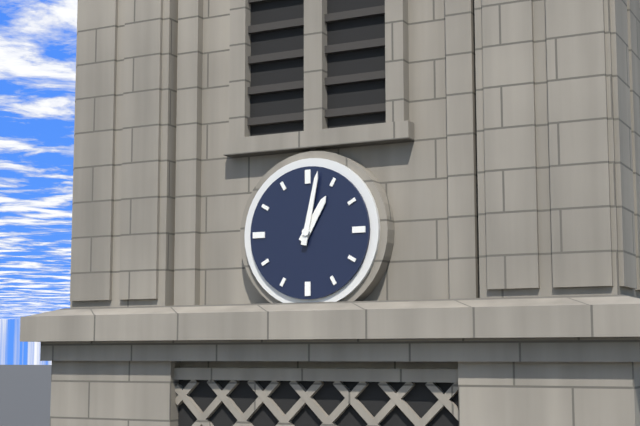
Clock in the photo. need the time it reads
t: 1:02
